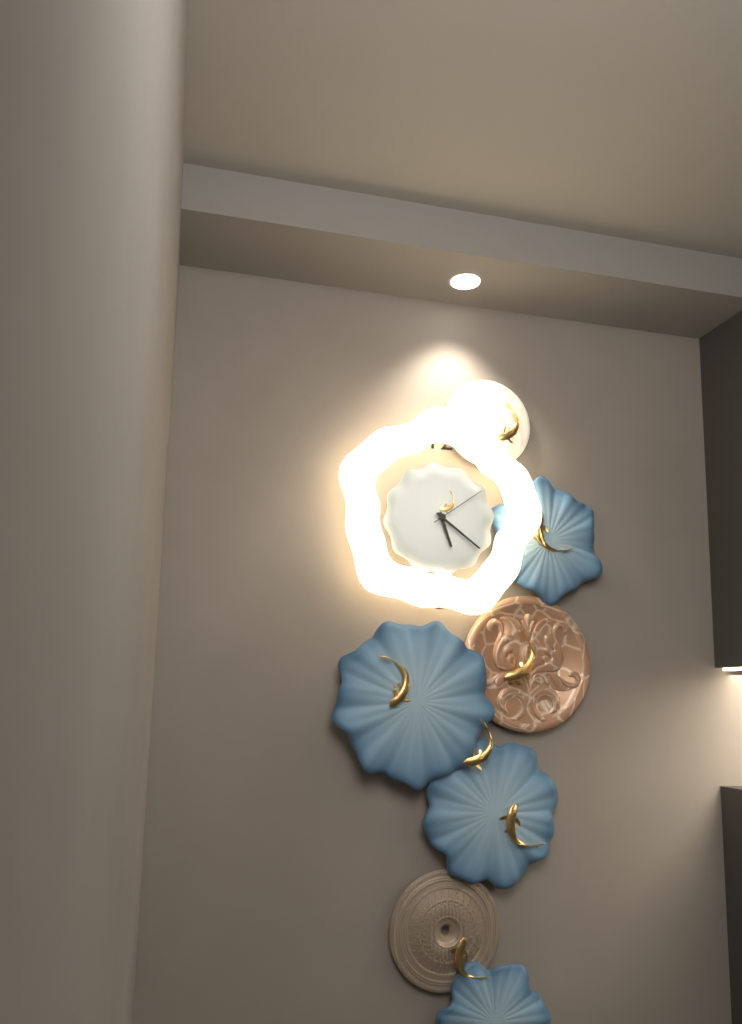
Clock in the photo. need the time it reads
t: 5:21:09
